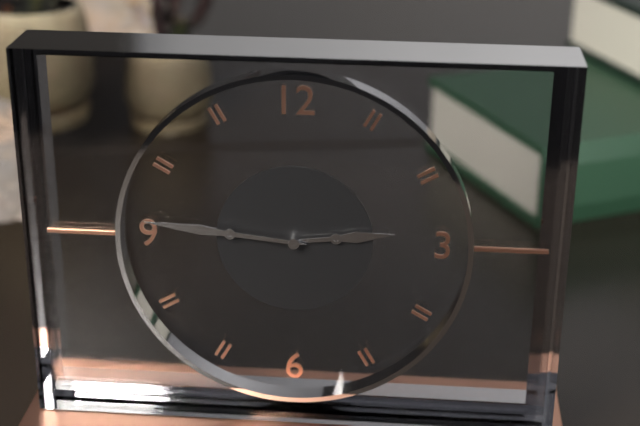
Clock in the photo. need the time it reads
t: 2:46
